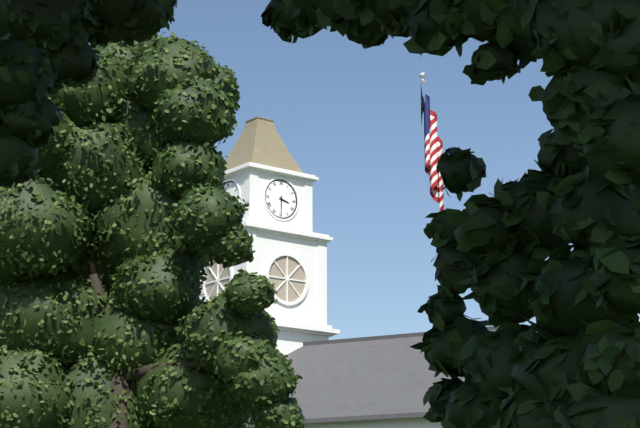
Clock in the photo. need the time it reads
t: 3:30
